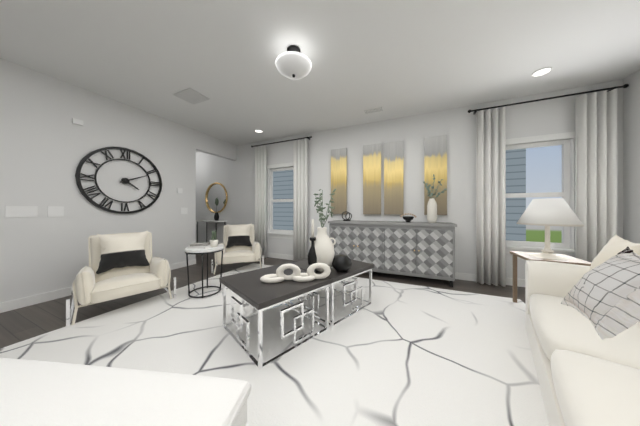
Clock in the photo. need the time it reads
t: 4:11
